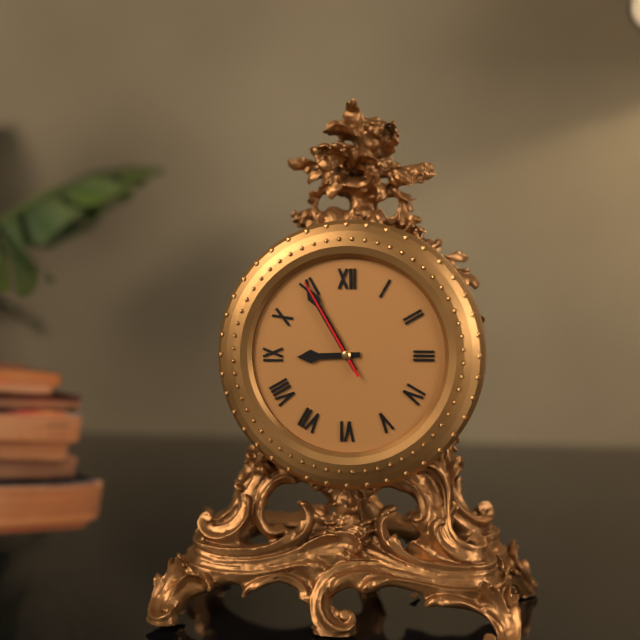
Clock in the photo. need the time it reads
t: 8:55:55
